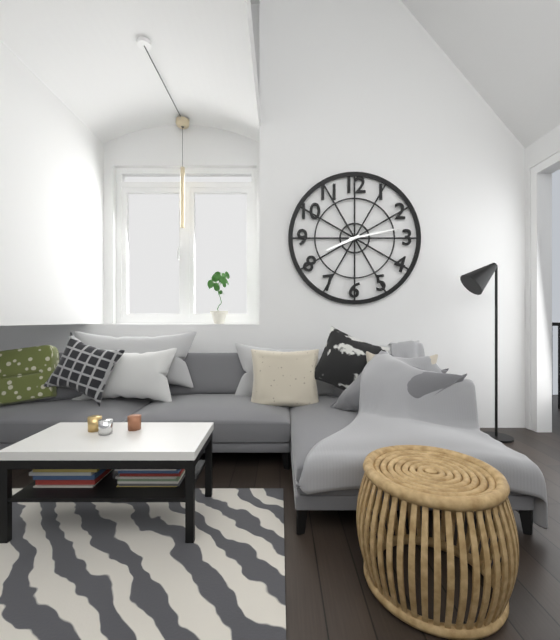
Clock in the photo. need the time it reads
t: 8:13
